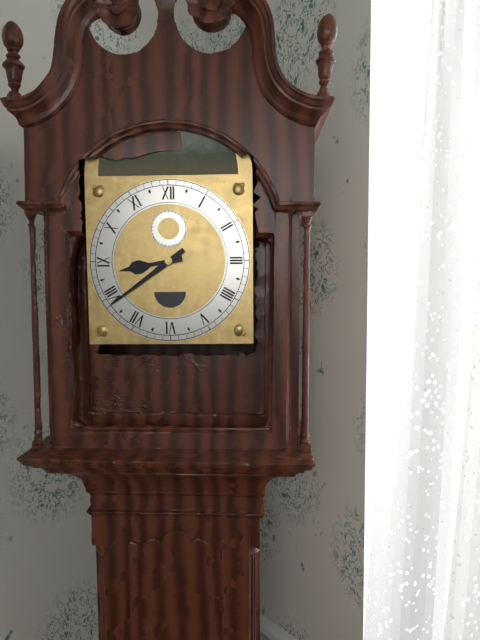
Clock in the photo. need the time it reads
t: 8:39
